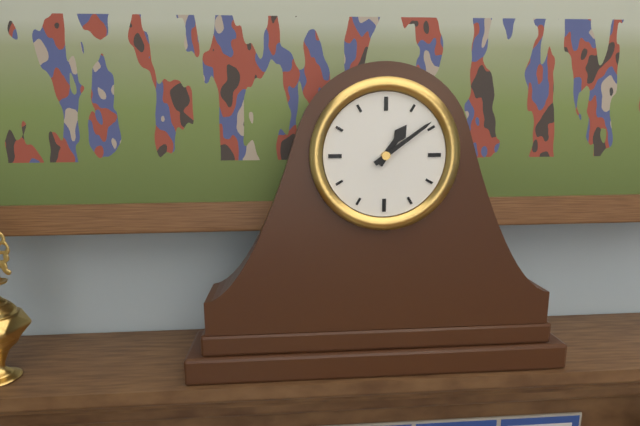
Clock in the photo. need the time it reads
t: 1:09
